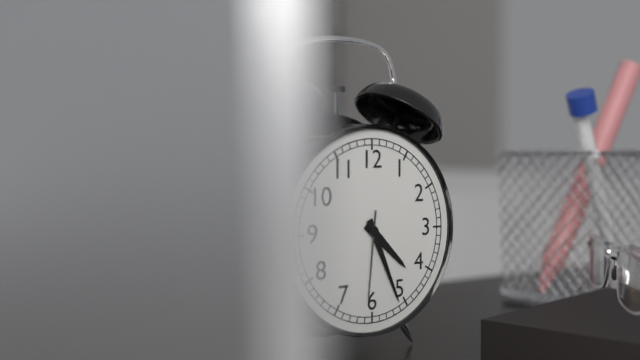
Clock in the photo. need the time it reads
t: 4:26:31
